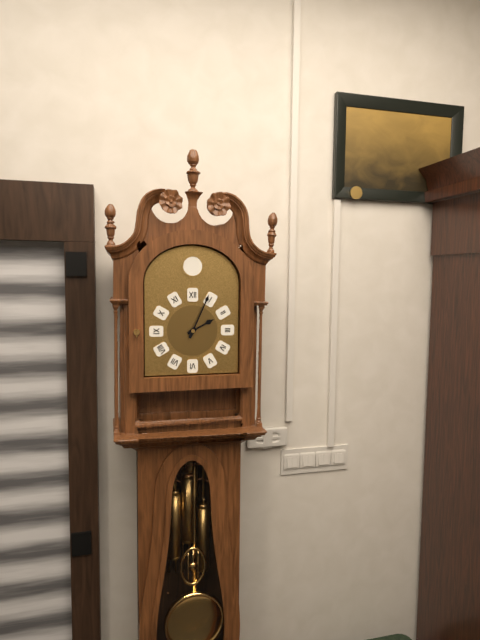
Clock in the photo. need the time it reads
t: 2:04
